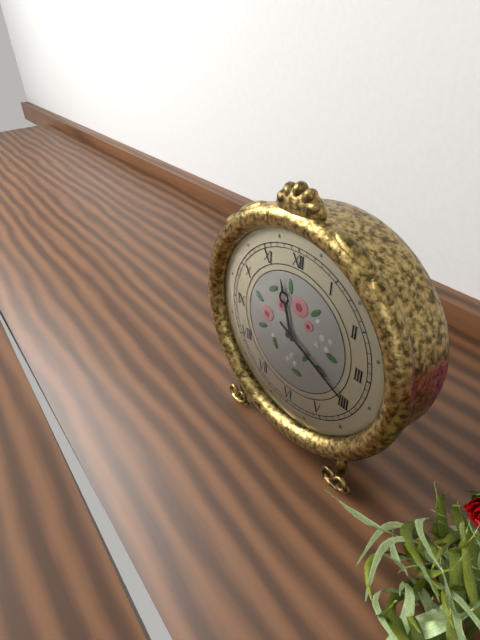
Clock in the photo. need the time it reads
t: 11:19
